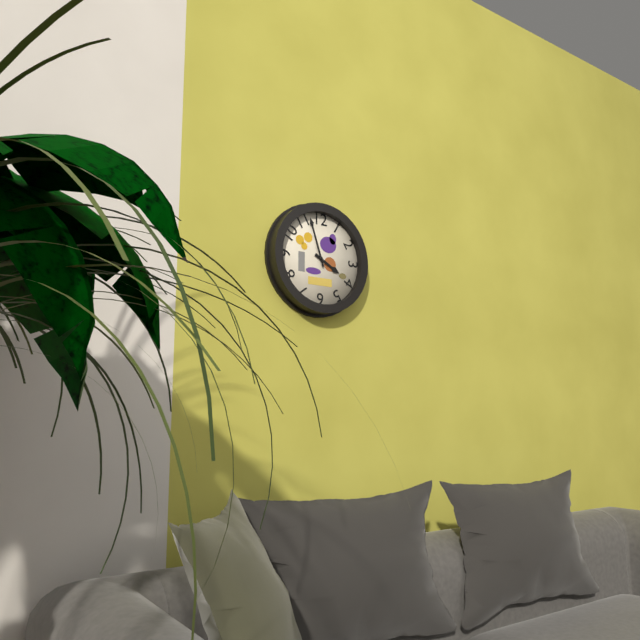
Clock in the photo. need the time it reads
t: 3:57
